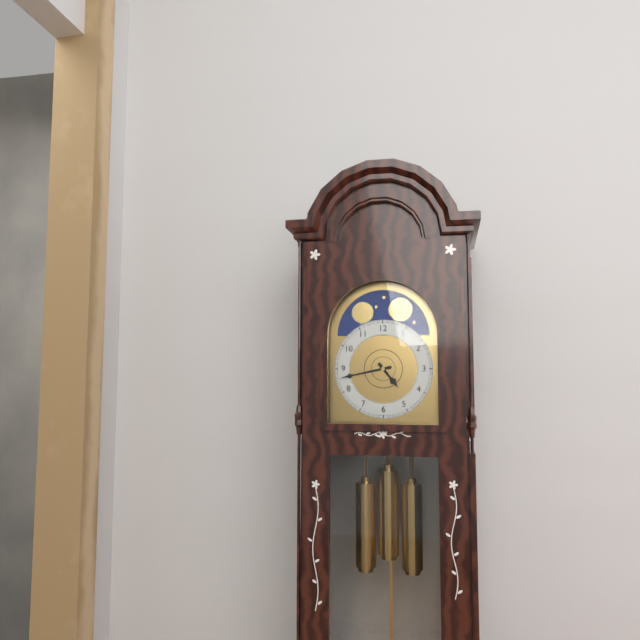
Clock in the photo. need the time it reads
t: 4:43
